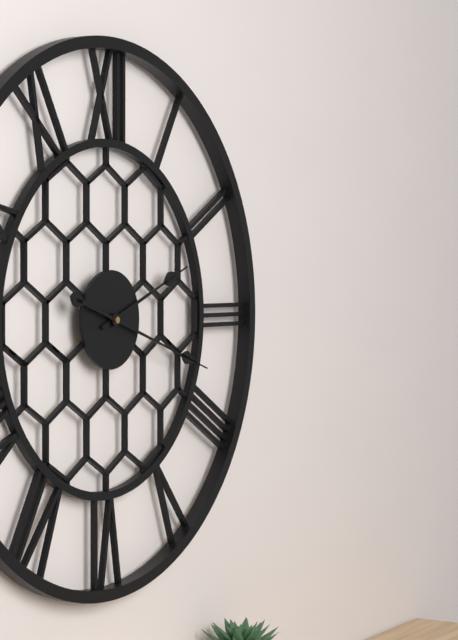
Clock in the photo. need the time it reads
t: 2:18
